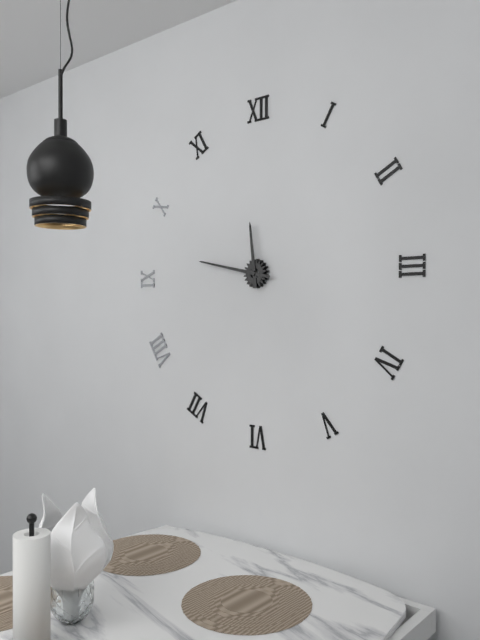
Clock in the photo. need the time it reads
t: 11:47
